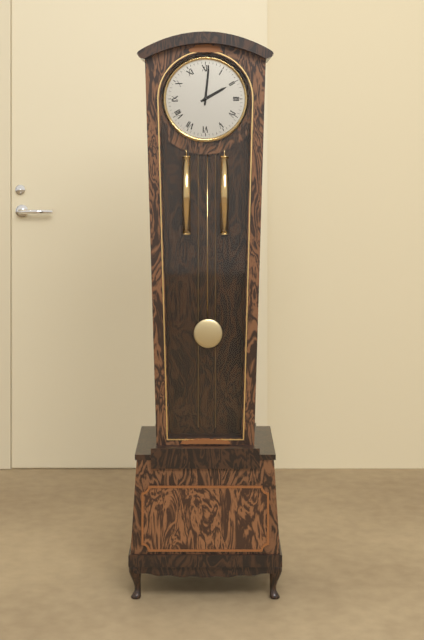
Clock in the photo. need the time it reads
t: 2:01
